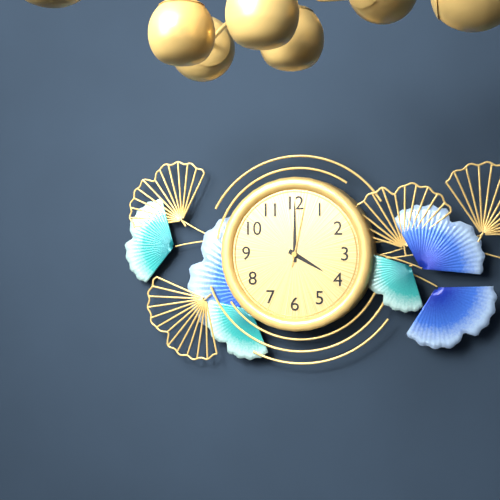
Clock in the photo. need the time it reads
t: 4:00:02
